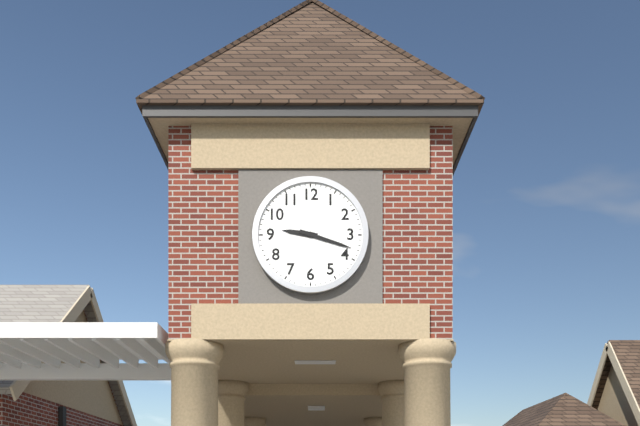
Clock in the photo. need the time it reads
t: 9:18
